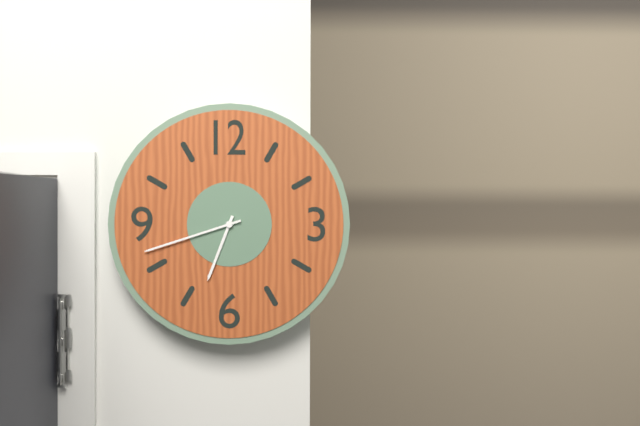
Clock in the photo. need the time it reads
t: 6:42
